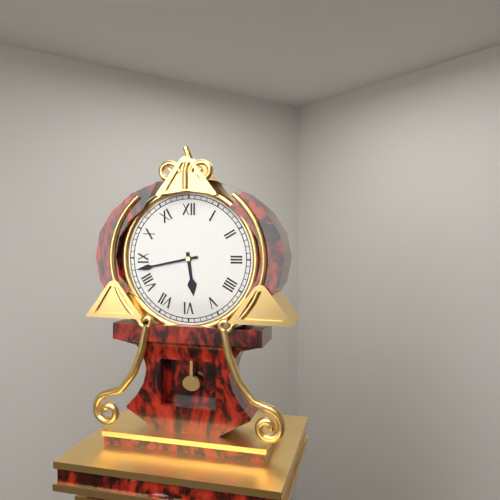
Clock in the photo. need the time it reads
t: 5:43
